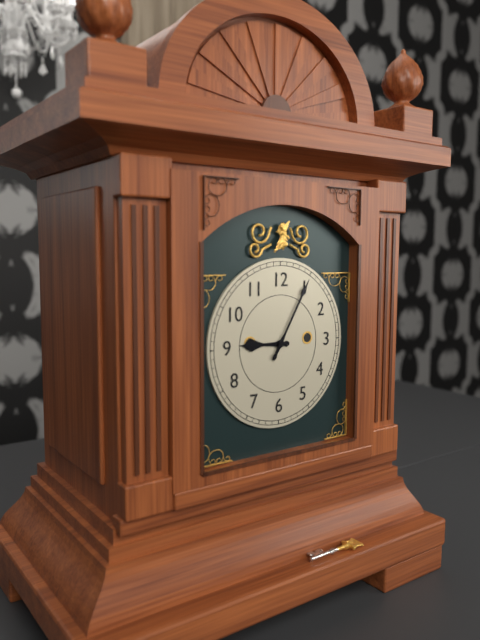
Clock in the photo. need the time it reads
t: 9:05
